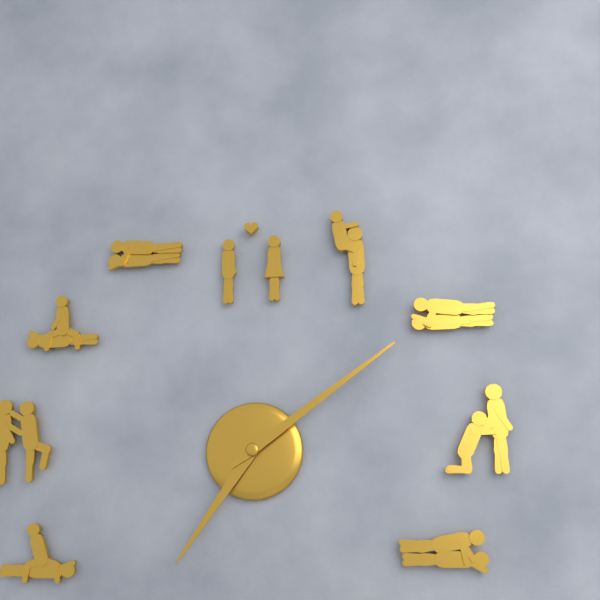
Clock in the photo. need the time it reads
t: 7:09
